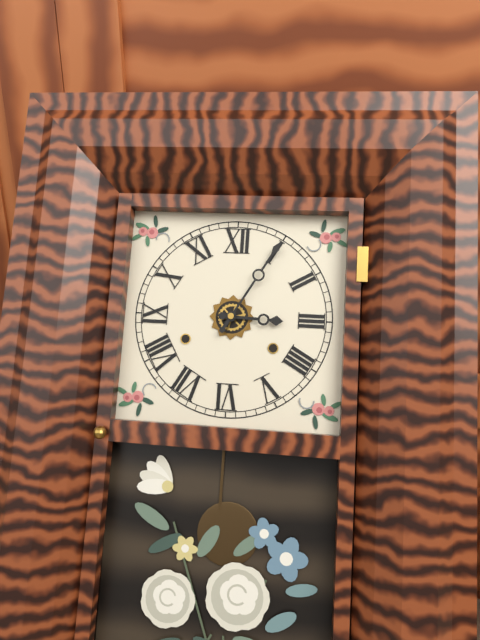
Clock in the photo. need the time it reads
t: 3:05
